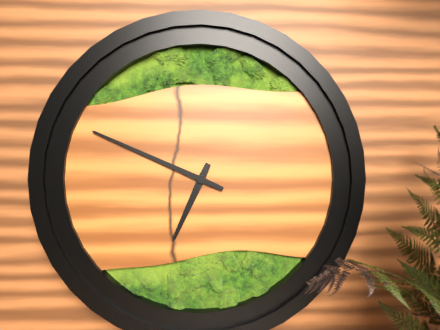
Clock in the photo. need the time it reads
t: 6:49
